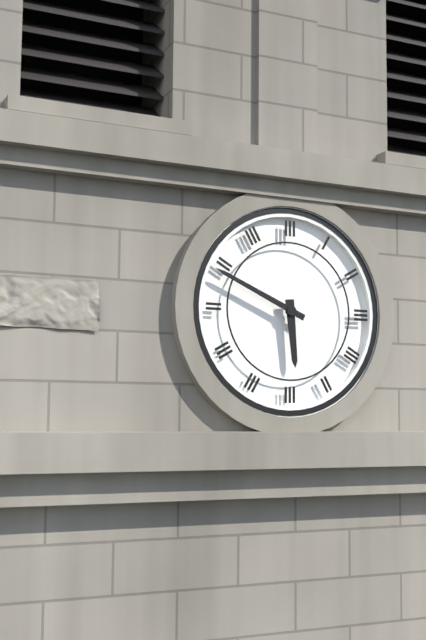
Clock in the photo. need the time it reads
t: 5:49
